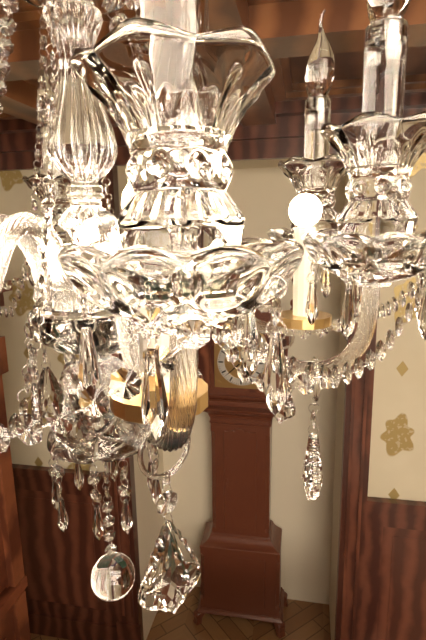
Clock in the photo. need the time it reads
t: 4:38
